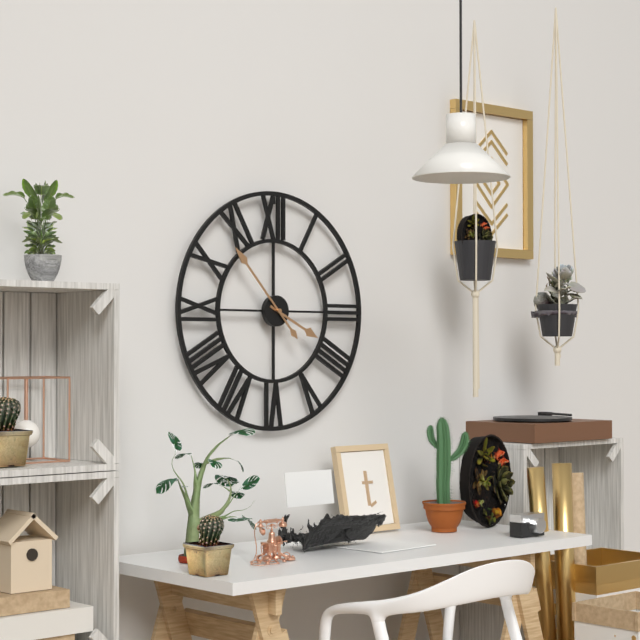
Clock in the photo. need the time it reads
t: 3:53
